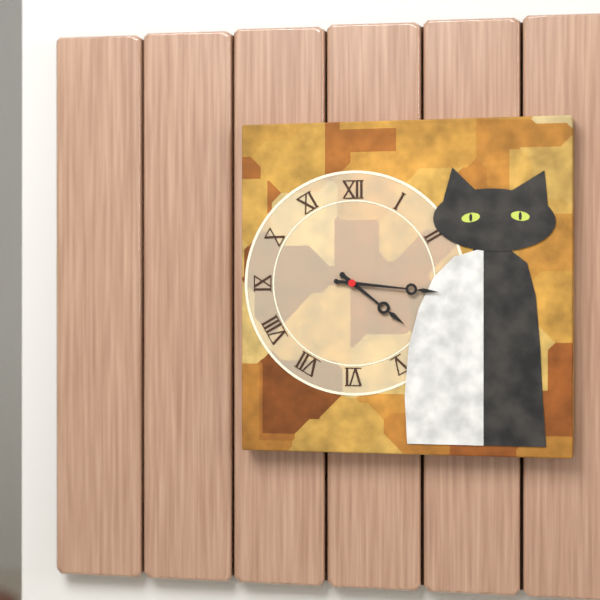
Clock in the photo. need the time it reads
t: 4:16
